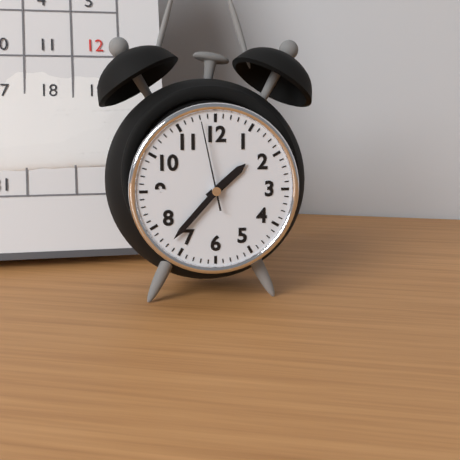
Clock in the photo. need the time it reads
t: 1:37:58
